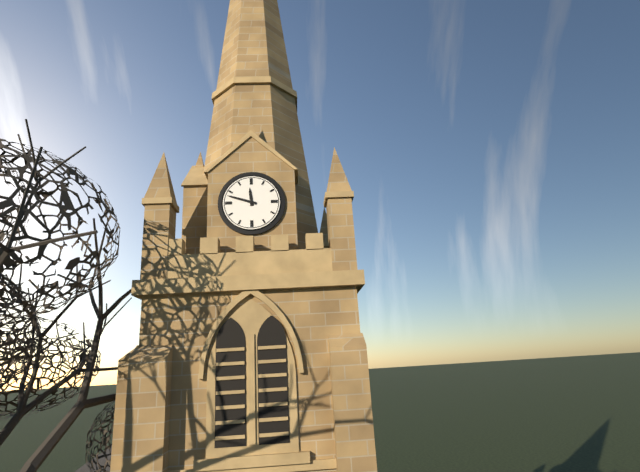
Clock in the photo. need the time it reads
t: 11:48
